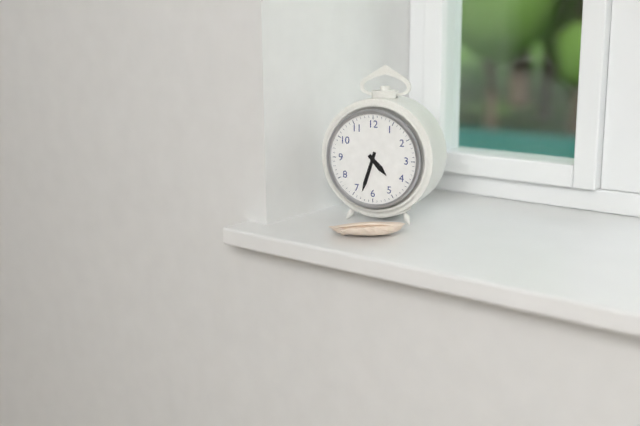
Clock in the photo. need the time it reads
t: 4:33
